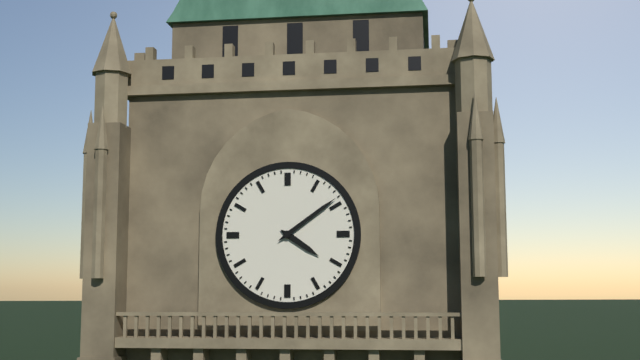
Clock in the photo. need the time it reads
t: 4:09
